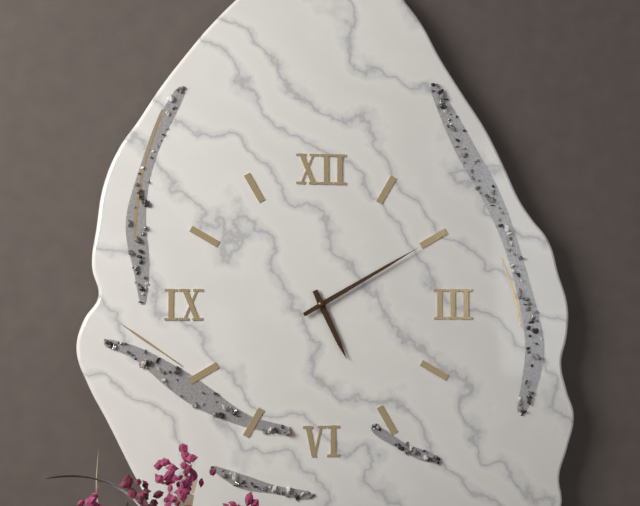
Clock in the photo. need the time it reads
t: 5:10
